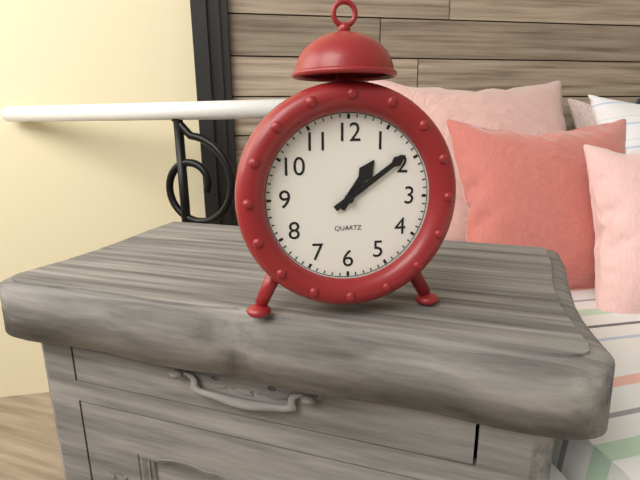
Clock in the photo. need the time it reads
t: 1:09
